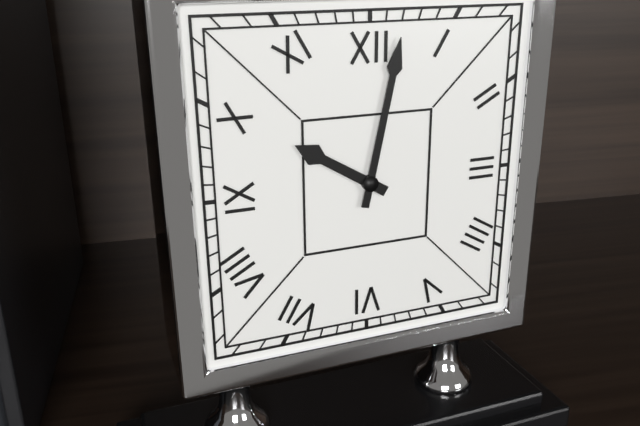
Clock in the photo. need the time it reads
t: 10:02
